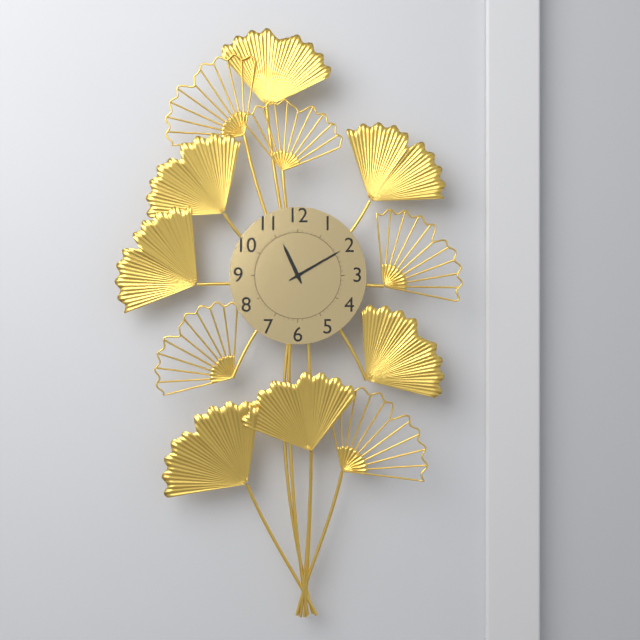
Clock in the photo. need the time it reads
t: 11:10
